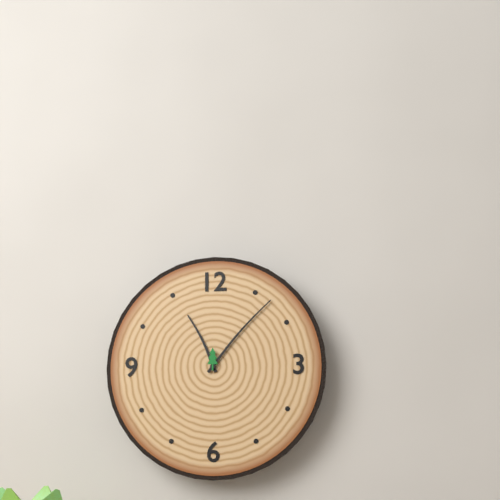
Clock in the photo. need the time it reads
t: 11:07
